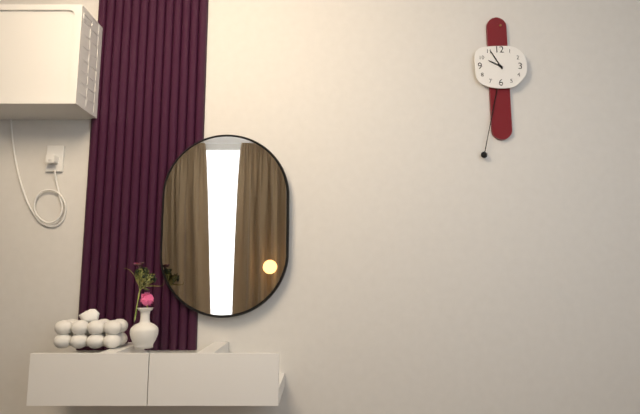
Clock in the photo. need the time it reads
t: 9:55
